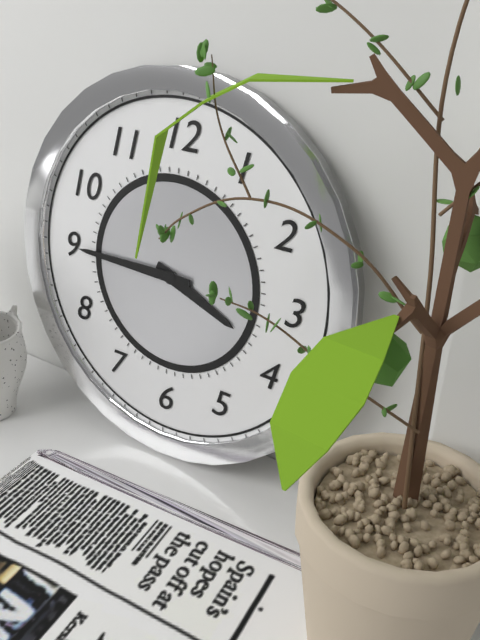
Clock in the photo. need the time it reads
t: 3:45
